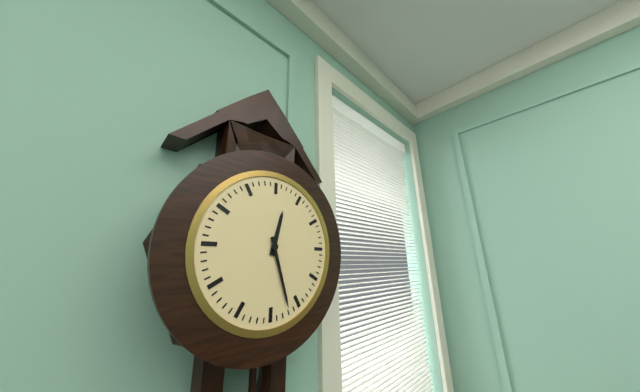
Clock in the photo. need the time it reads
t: 12:27
